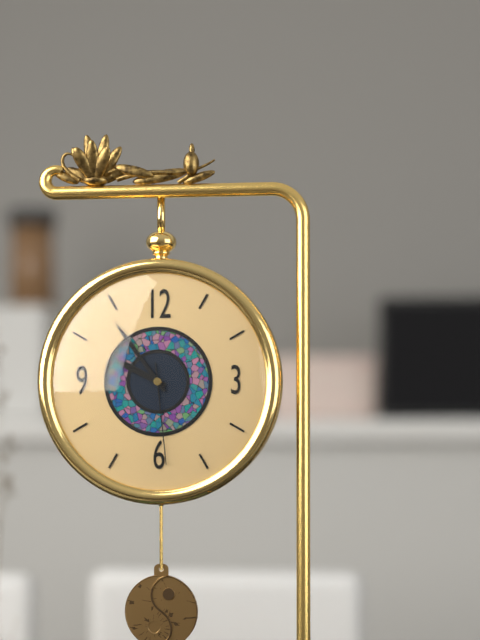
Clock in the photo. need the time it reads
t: 9:54:29
